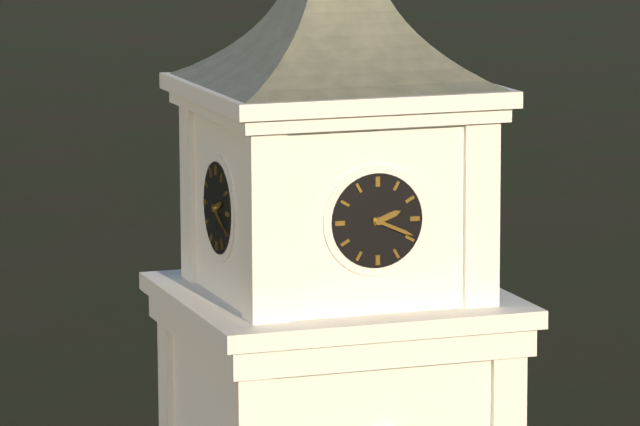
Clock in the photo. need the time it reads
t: 2:19
